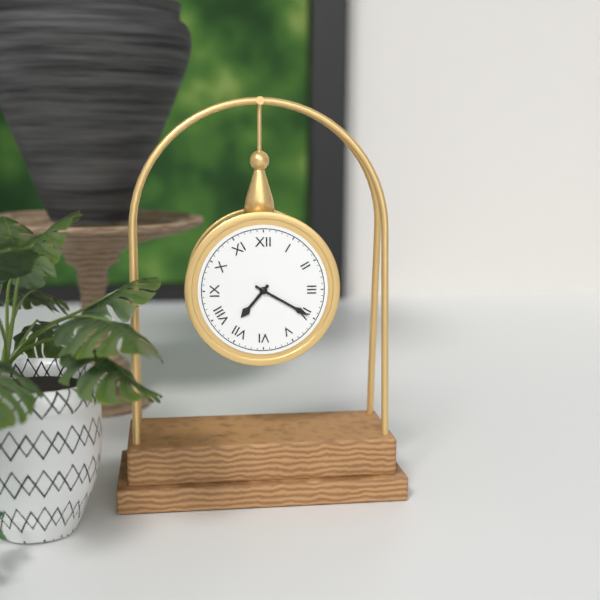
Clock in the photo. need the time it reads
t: 7:20
